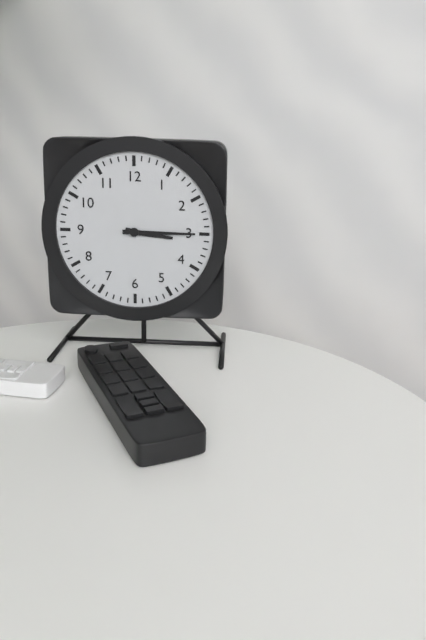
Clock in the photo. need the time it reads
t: 3:15
